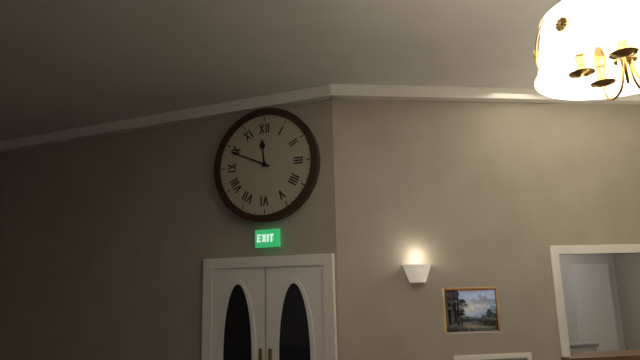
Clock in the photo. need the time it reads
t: 11:49
